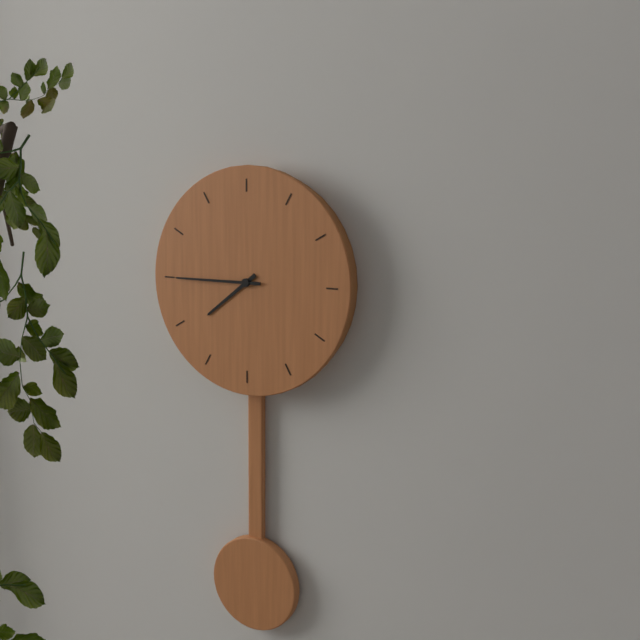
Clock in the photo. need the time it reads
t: 7:45
